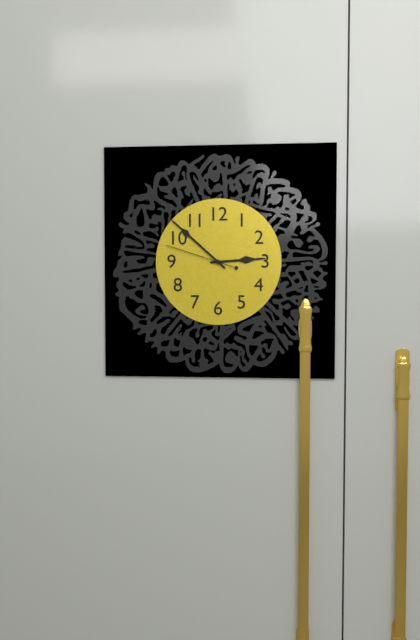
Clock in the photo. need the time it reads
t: 2:52:48
